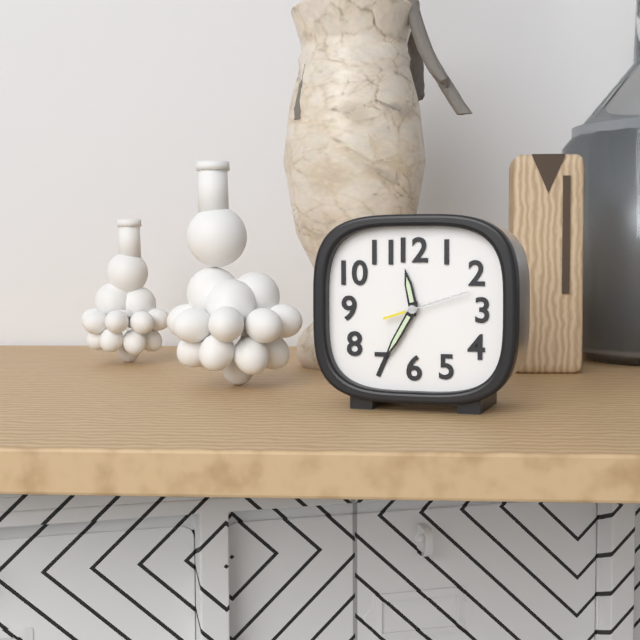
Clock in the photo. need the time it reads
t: 11:35:12
